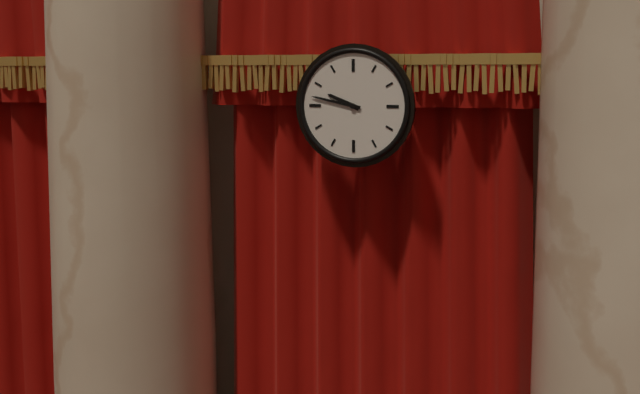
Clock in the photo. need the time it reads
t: 9:47
